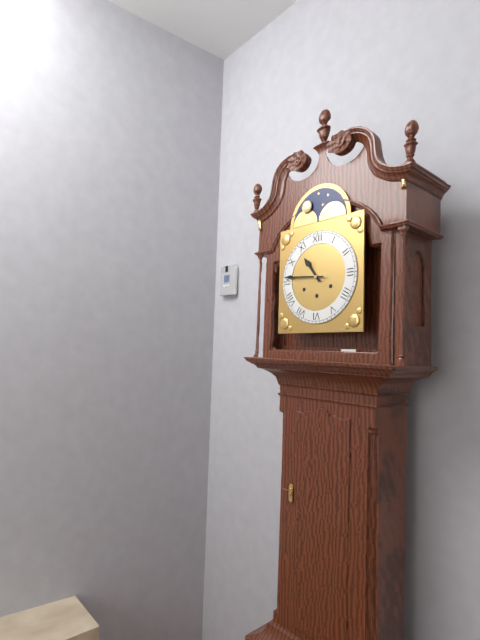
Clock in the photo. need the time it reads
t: 10:46
